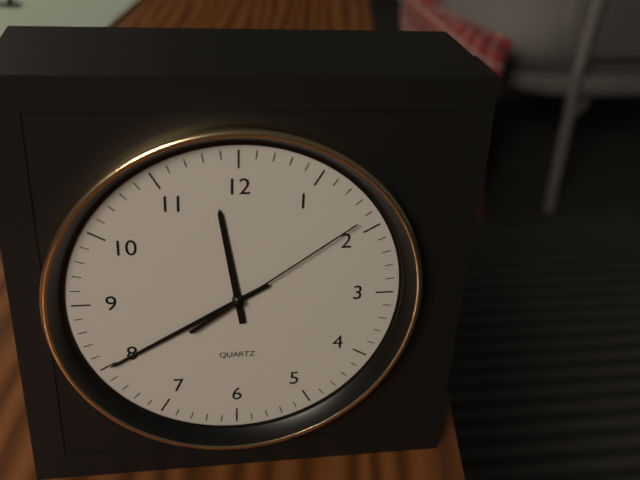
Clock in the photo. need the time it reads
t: 11:40:09
